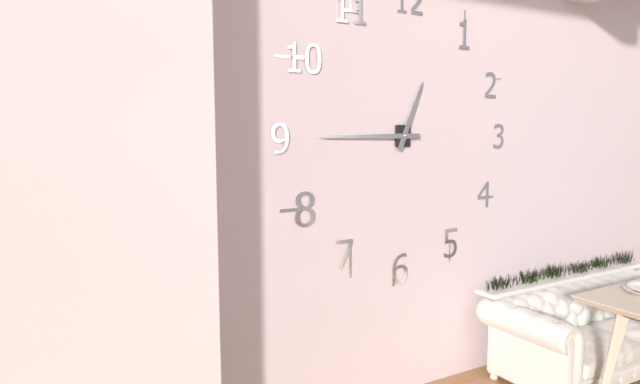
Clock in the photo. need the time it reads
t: 12:45
